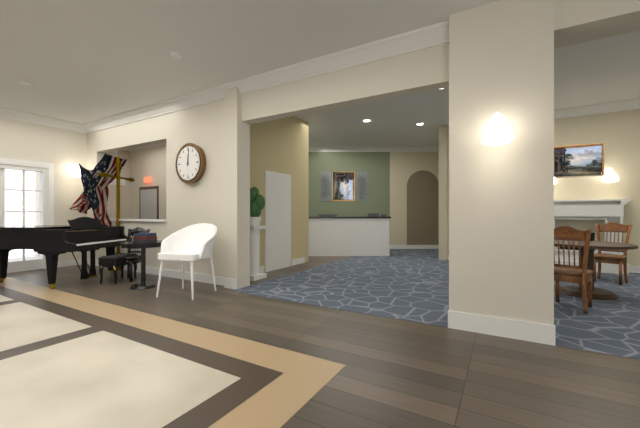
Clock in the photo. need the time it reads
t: 12:01
